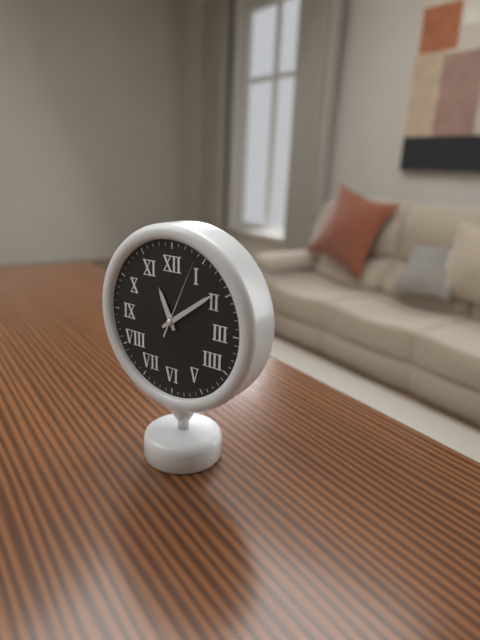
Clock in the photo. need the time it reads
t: 11:09:04
